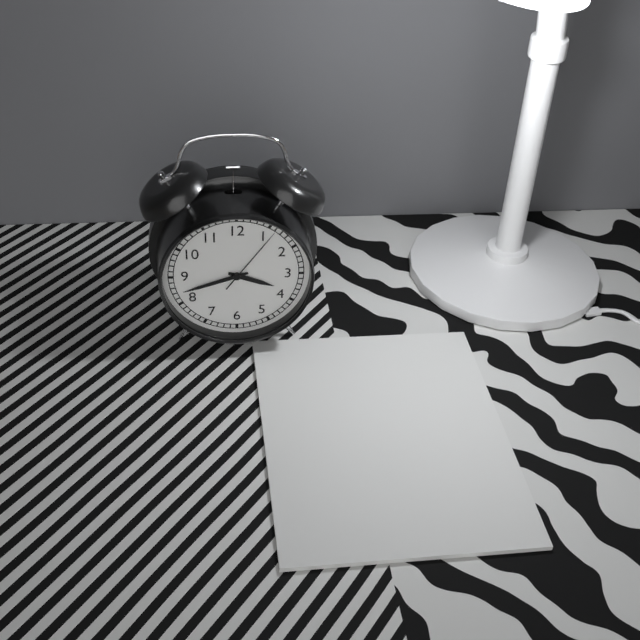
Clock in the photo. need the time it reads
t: 3:42:06
